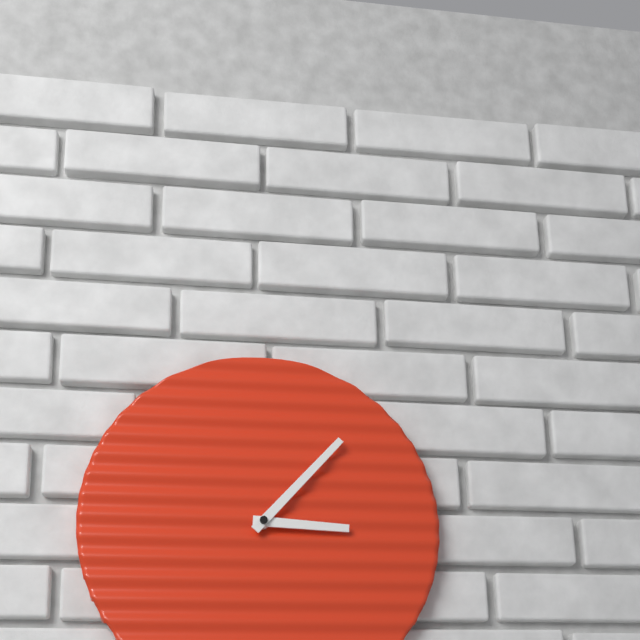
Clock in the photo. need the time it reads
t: 3:07
